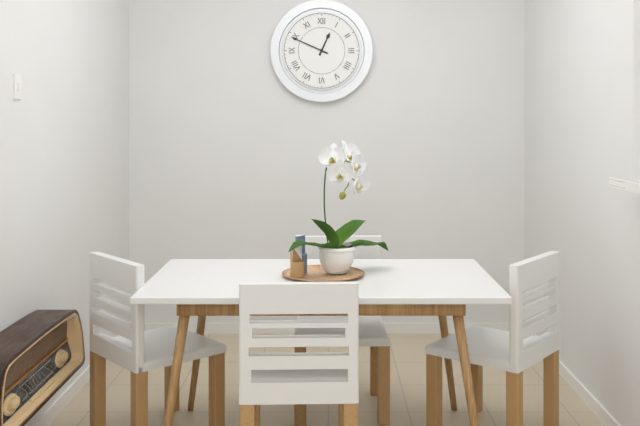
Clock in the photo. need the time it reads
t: 12:49
